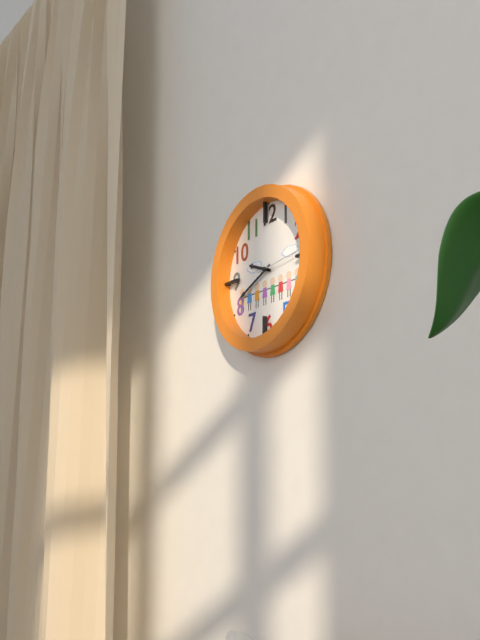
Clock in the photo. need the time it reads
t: 9:41
